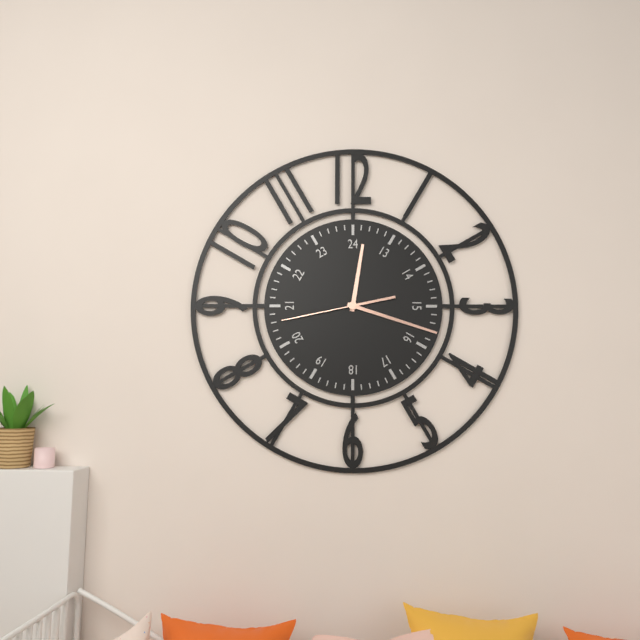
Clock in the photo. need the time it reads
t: 12:18:43
